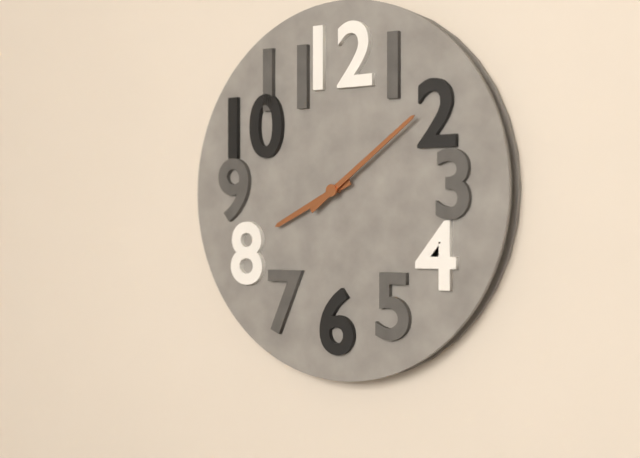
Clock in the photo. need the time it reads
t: 8:09
